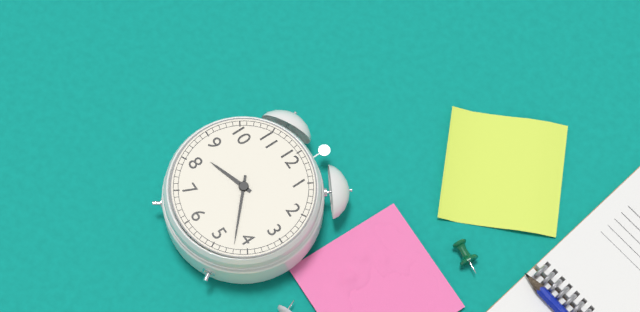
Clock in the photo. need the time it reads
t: 8:22
